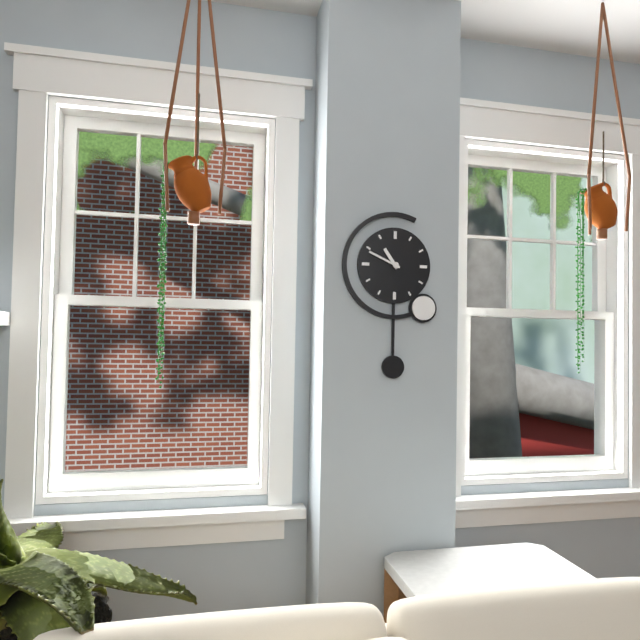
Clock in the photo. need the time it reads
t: 10:49
